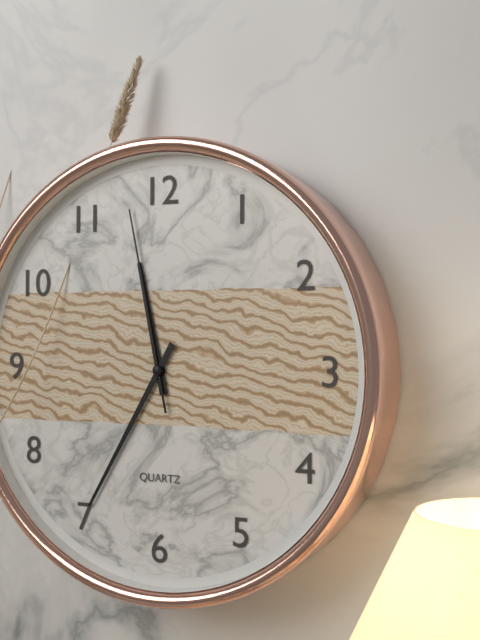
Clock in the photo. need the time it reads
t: 11:35:58
